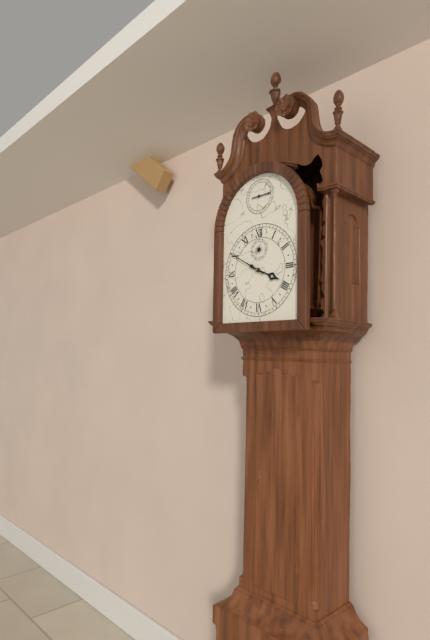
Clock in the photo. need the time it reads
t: 3:50
